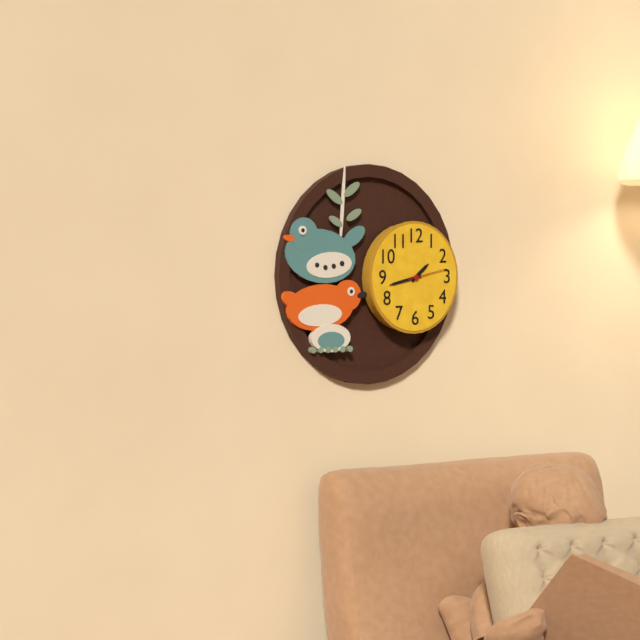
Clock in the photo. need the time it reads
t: 1:43
